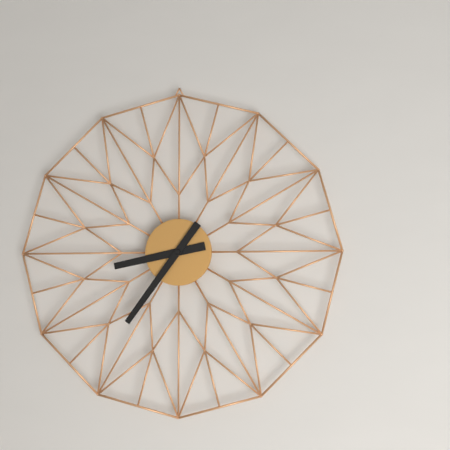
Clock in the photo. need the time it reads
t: 8:36
